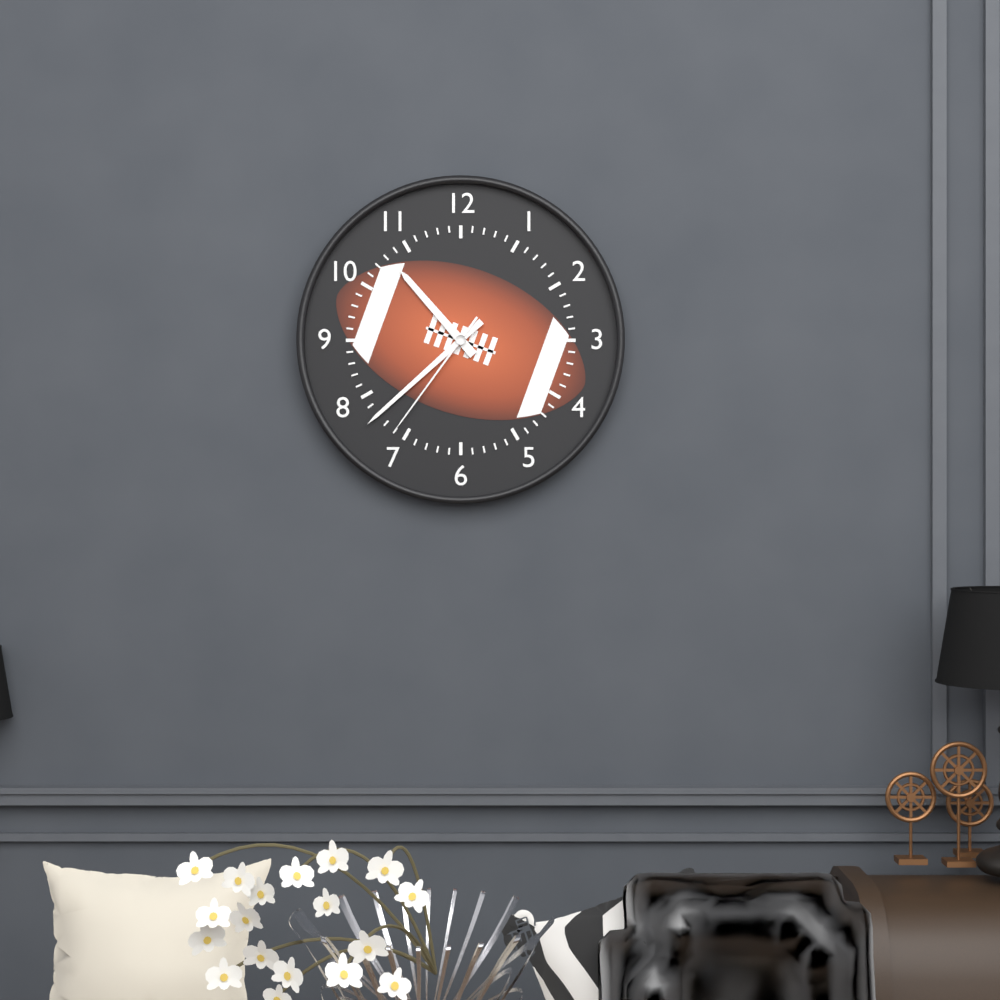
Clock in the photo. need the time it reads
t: 10:38:36
